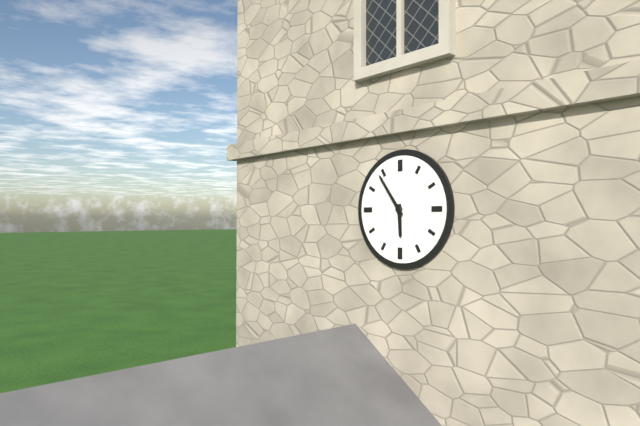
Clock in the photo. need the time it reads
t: 5:54
